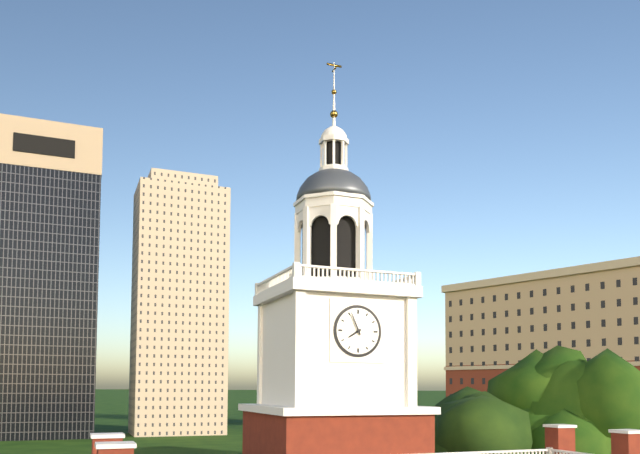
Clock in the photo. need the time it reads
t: 7:56
